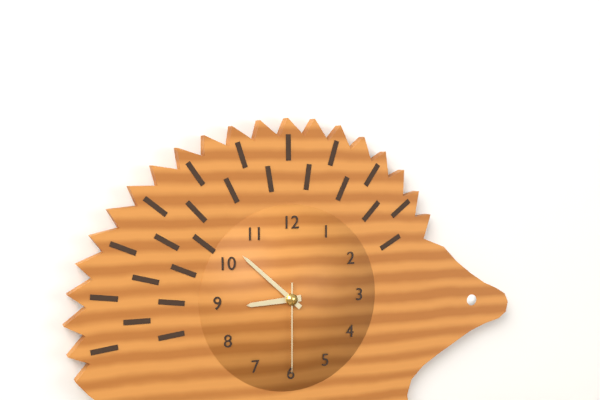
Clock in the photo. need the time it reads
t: 8:52:30
